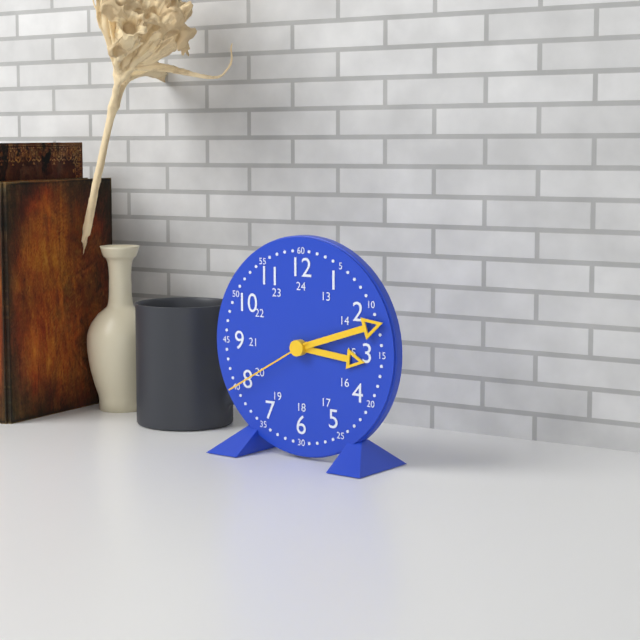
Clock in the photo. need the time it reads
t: 3:12:40
